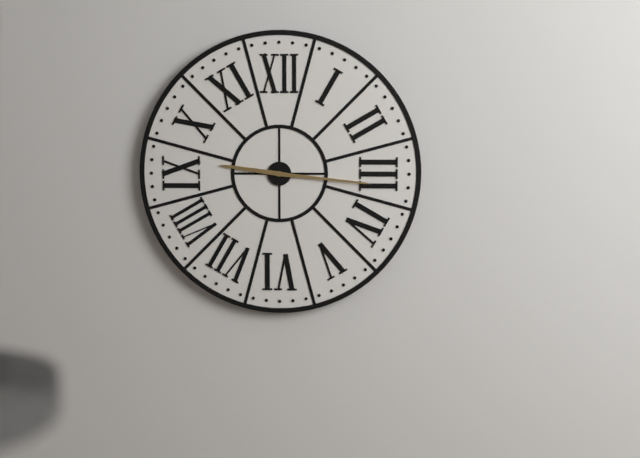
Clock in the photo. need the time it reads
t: 9:16
